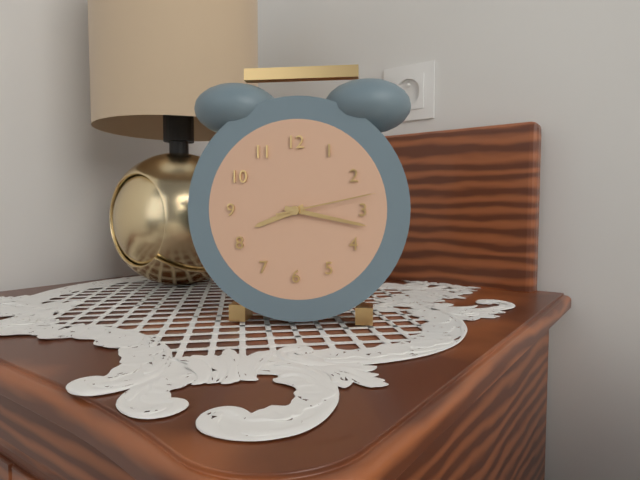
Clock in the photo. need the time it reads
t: 8:17:13
